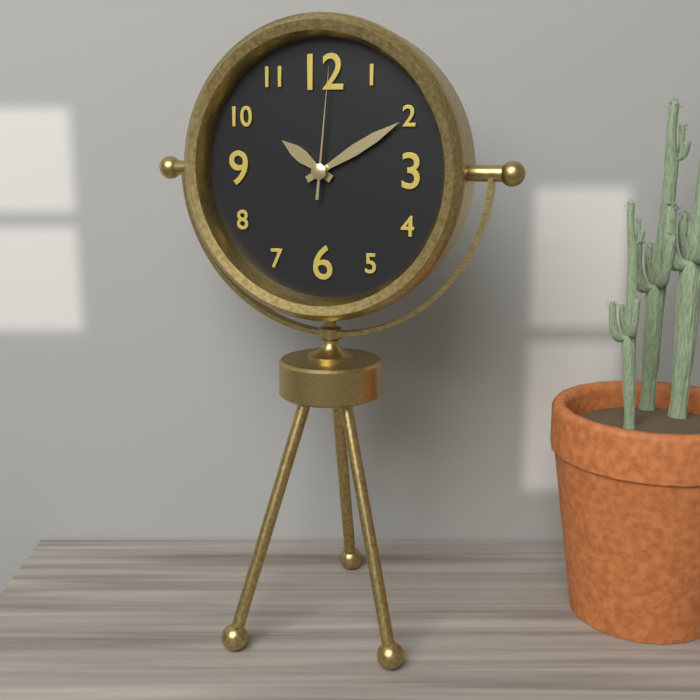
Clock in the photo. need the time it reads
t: 10:10:01
